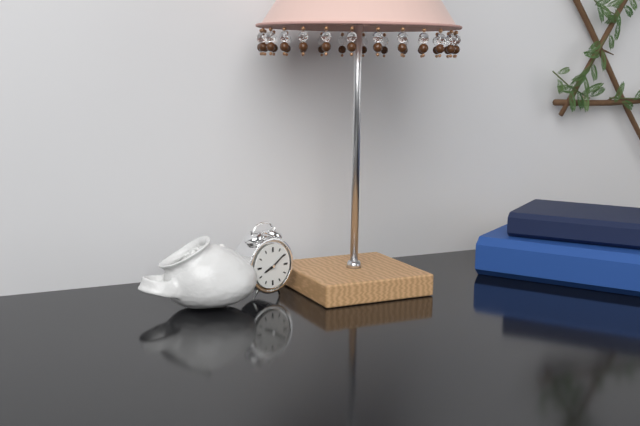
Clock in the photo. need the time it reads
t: 8:09
